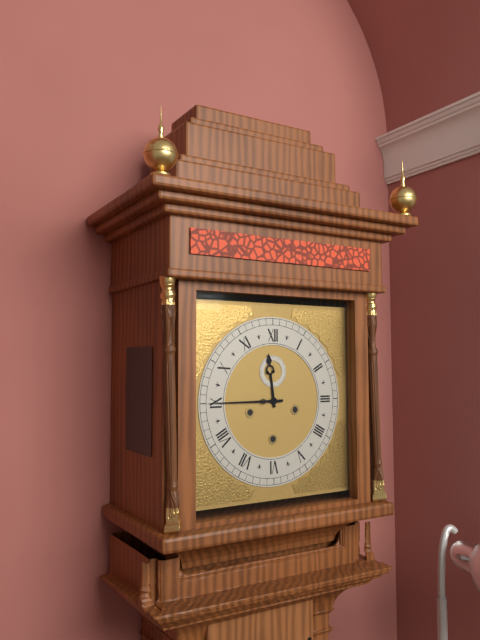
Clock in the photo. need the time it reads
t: 11:45
